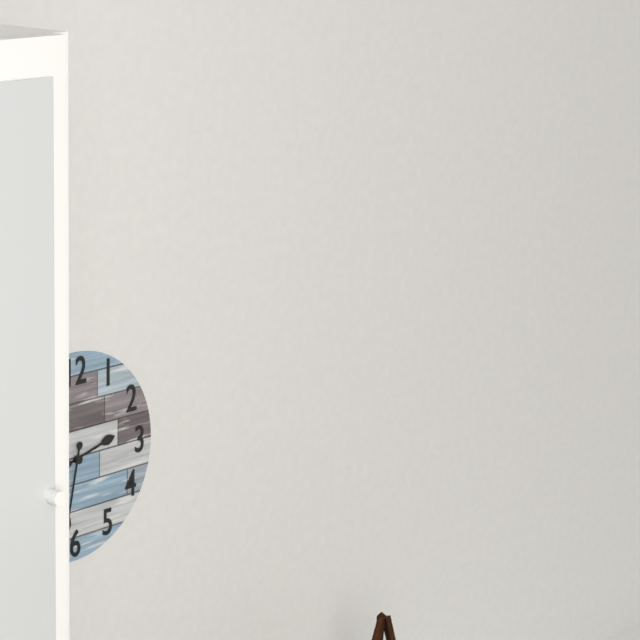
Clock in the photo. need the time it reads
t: 2:32
